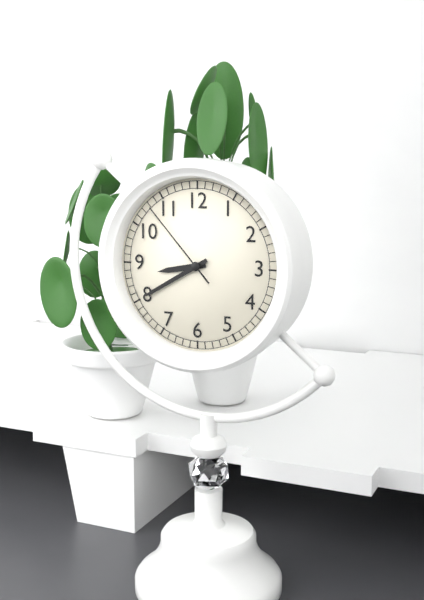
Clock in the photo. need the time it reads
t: 8:40:53
